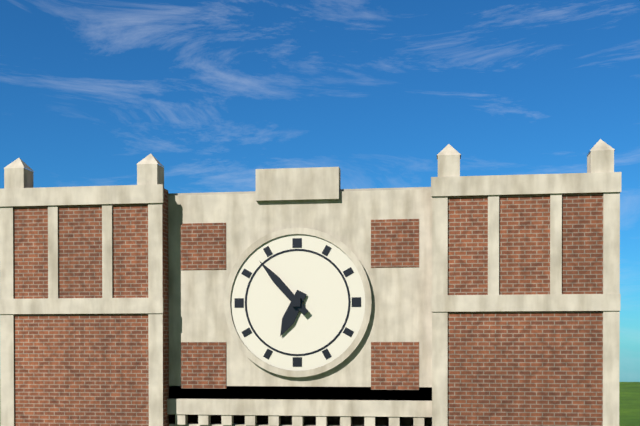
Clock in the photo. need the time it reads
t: 6:53
